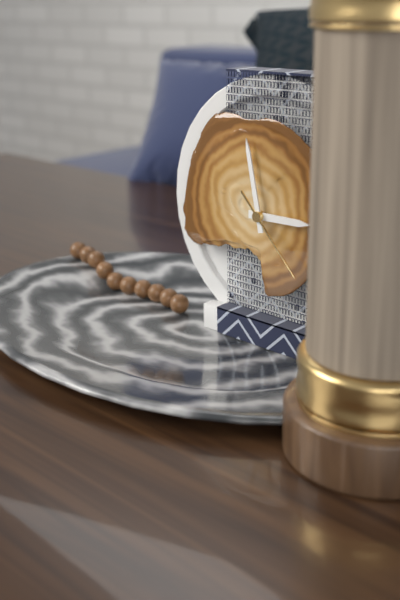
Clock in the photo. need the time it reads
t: 2:58:23
